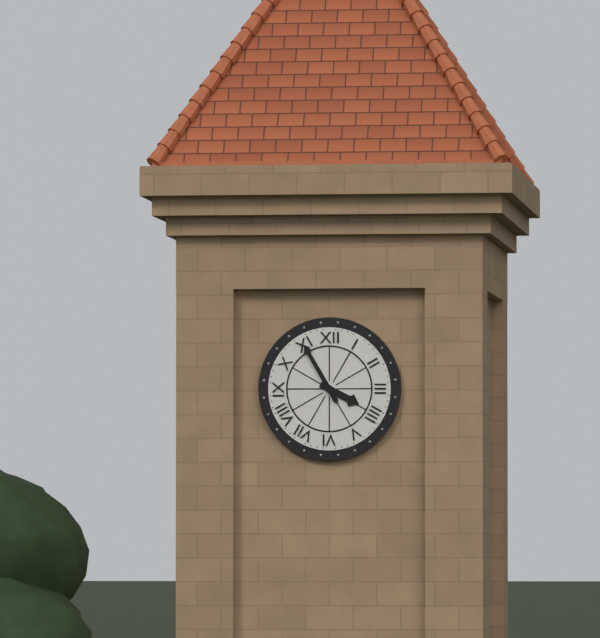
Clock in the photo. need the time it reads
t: 3:55
